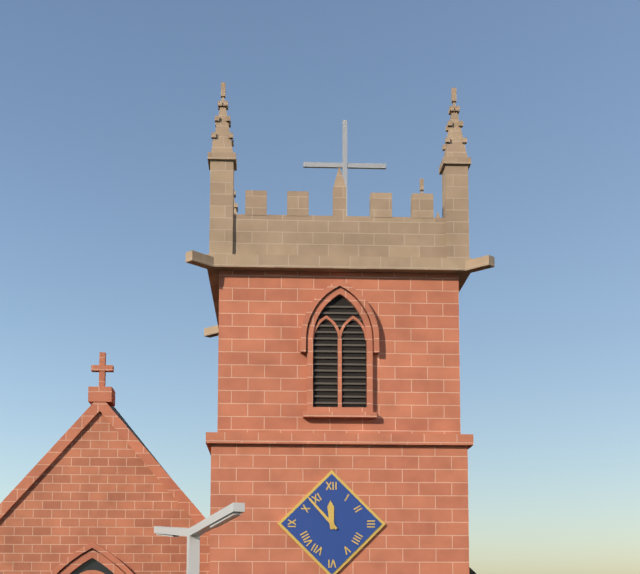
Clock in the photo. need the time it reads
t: 11:53
